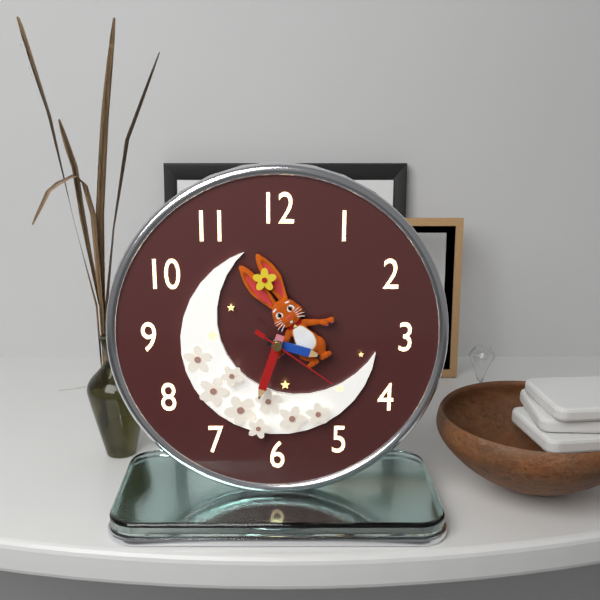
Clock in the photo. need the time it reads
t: 3:33:21
